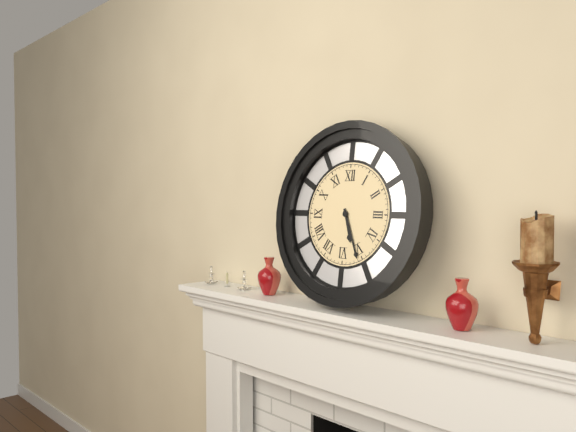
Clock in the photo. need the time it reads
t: 5:26
